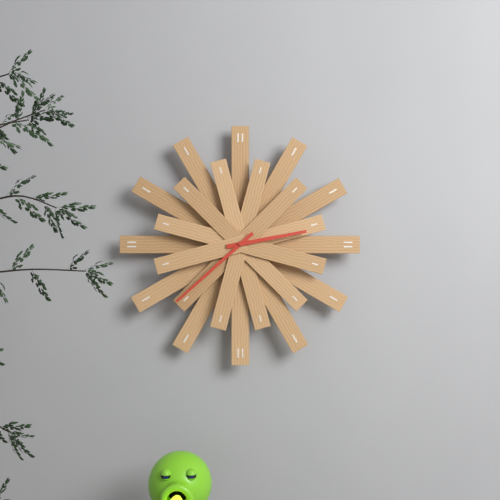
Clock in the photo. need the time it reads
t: 2:38
